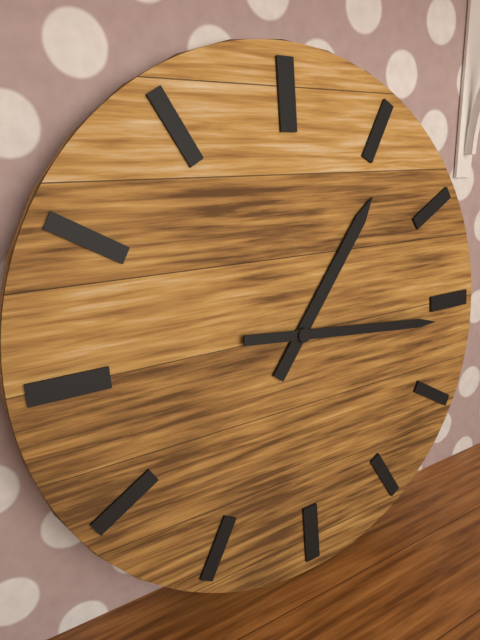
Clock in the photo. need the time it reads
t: 1:16
